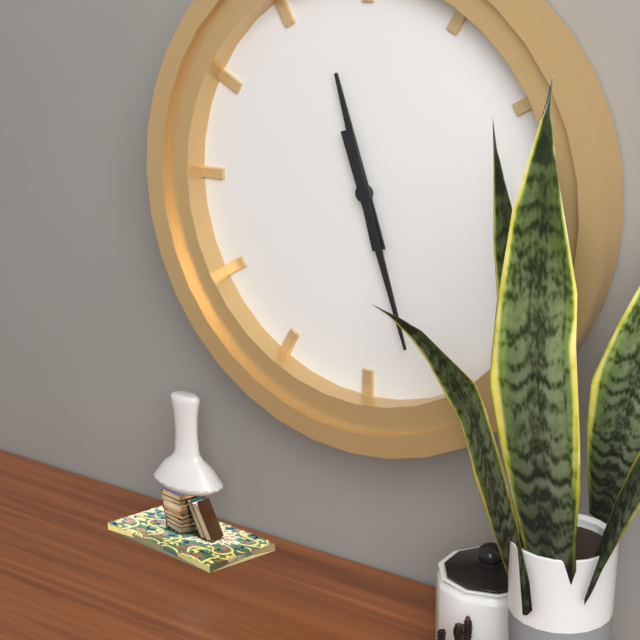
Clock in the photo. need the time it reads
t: 11:27
